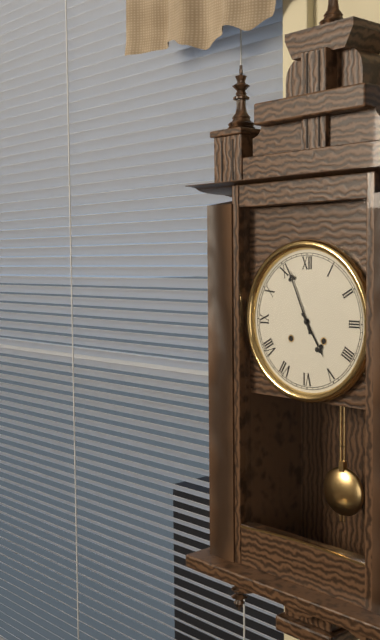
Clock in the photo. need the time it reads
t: 4:56
